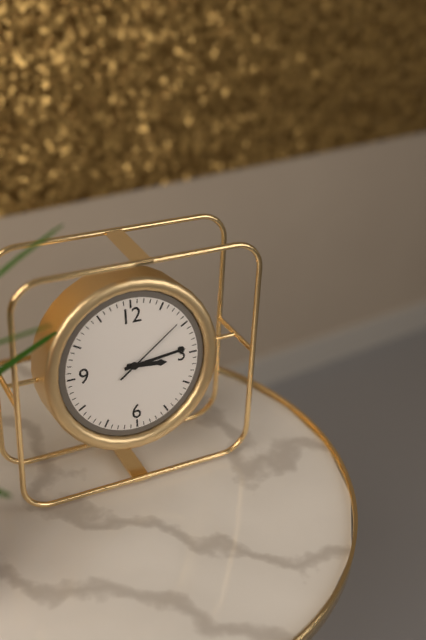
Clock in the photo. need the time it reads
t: 3:14:09
